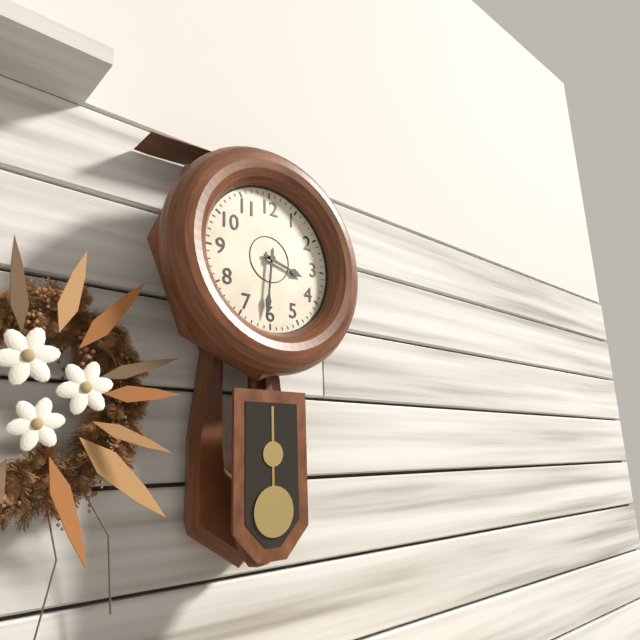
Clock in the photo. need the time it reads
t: 3:31
